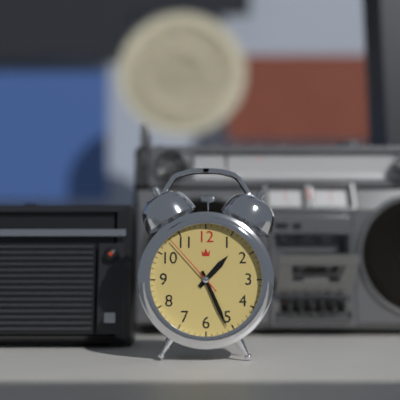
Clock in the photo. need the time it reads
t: 1:26:53
